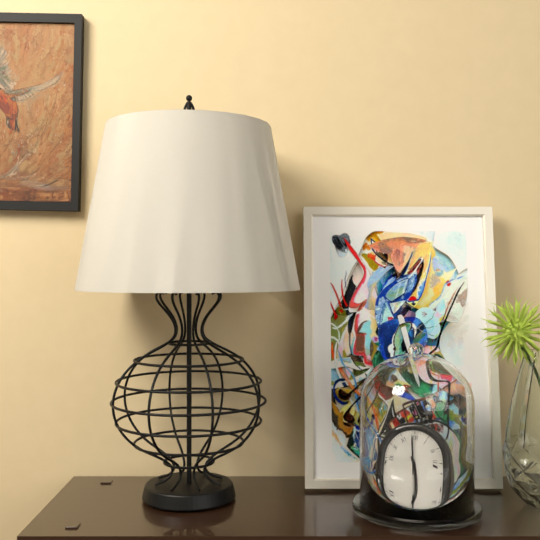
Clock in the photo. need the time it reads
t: 4:59
